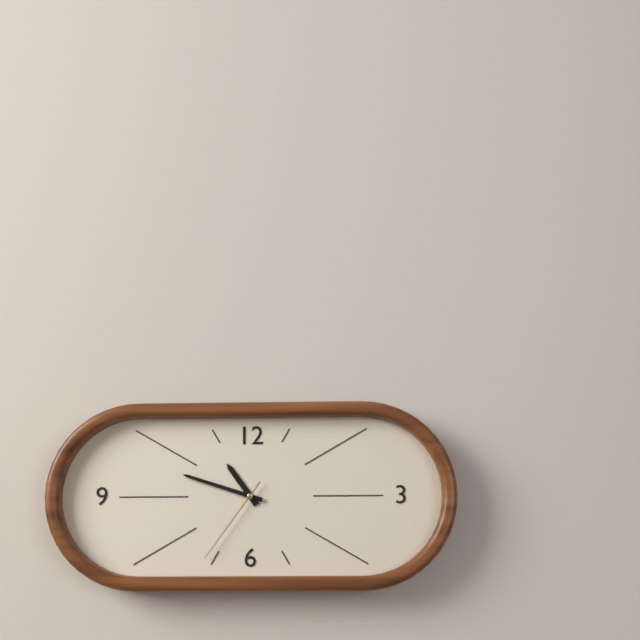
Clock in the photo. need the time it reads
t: 10:48:36
